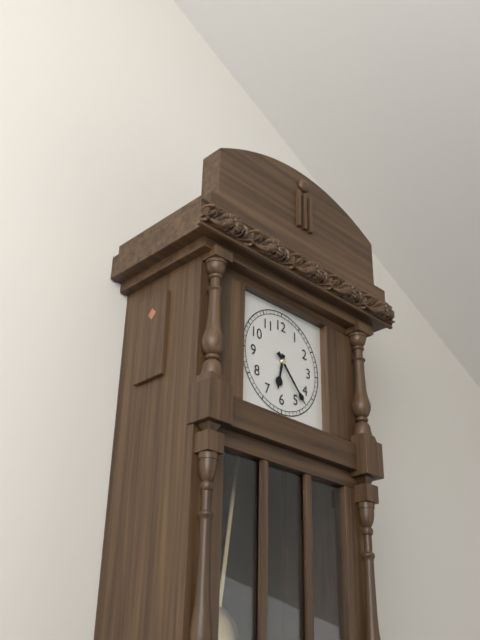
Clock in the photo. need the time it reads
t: 6:23
